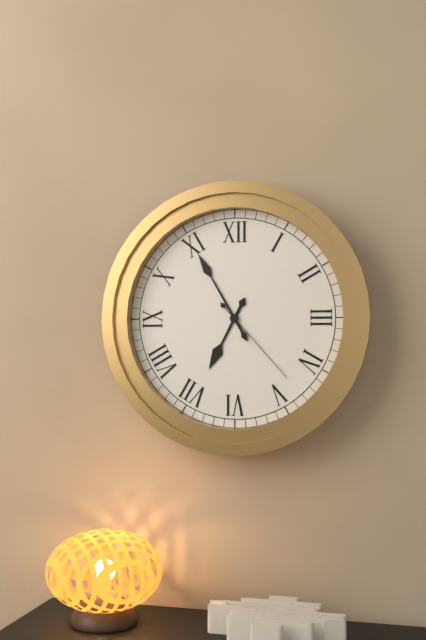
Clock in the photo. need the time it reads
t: 6:55:23
